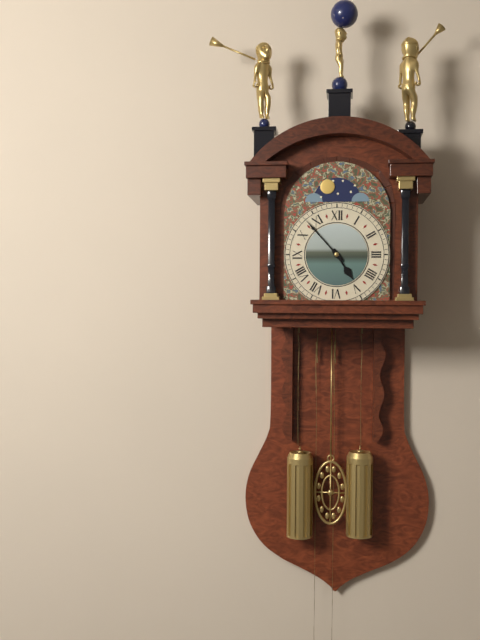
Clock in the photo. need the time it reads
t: 4:53
